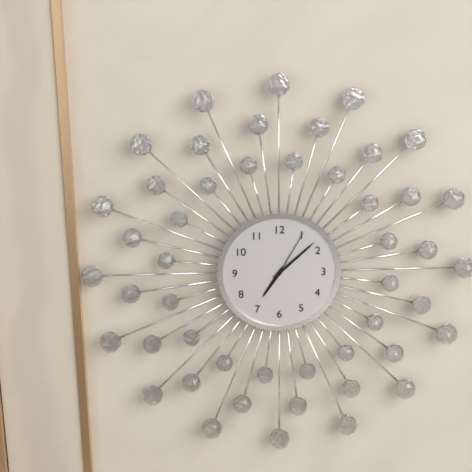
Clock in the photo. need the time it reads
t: 7:08:05
